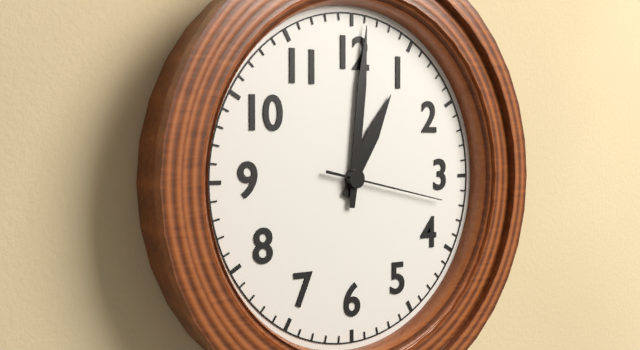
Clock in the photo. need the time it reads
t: 1:01:17
